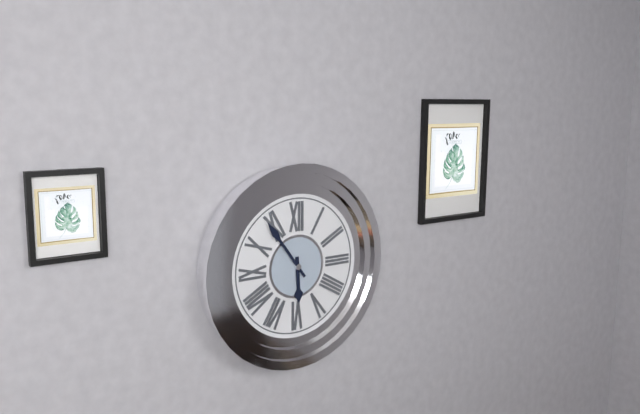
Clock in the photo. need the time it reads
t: 5:54
